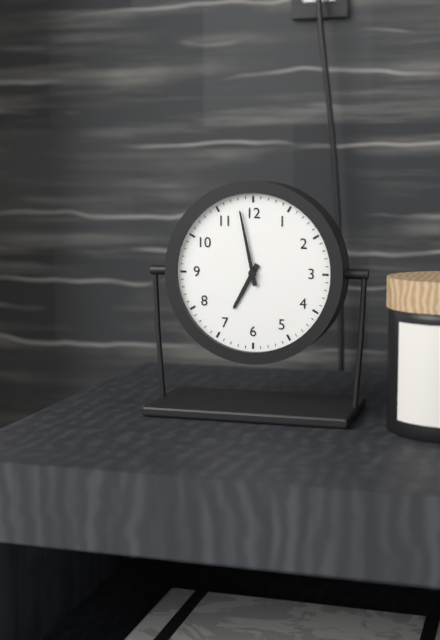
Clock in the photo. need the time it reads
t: 6:58
